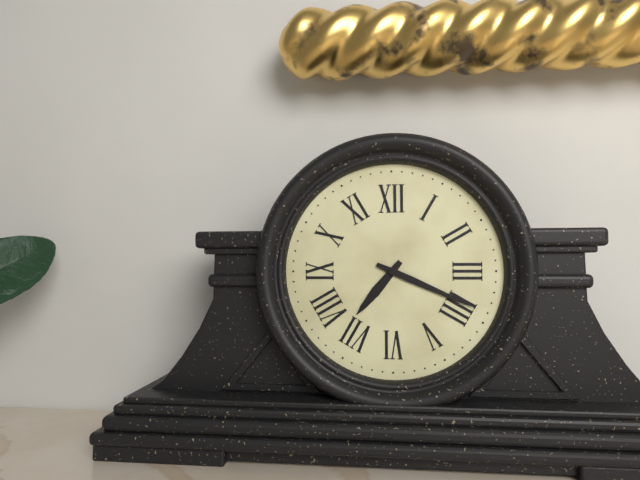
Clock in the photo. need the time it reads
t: 7:19
